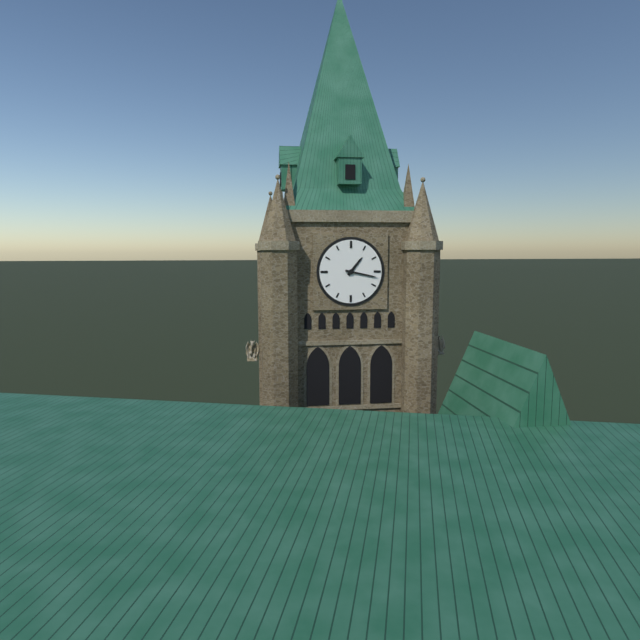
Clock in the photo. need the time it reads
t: 1:17
